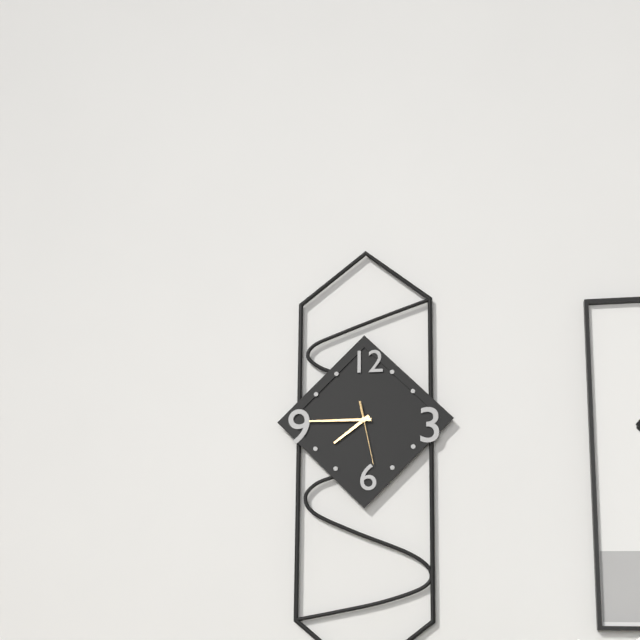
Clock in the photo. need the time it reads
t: 7:45:28
